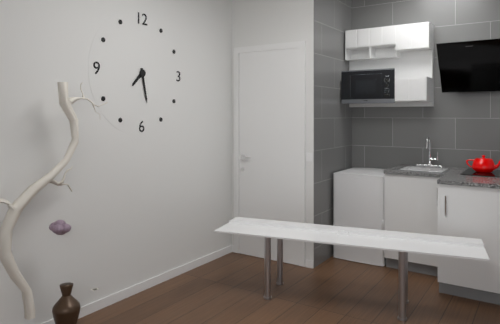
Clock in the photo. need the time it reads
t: 7:28
